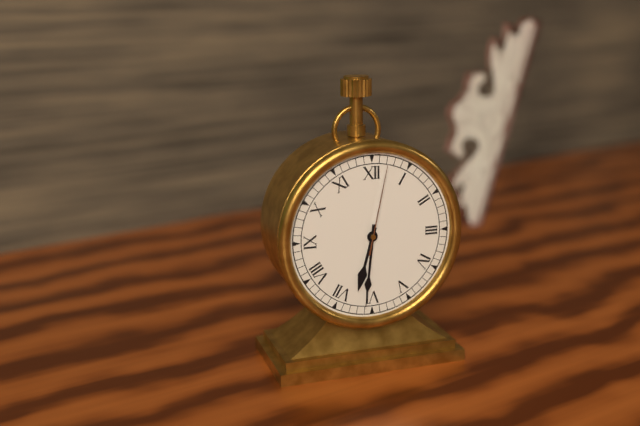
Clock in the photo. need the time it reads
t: 6:31:02
